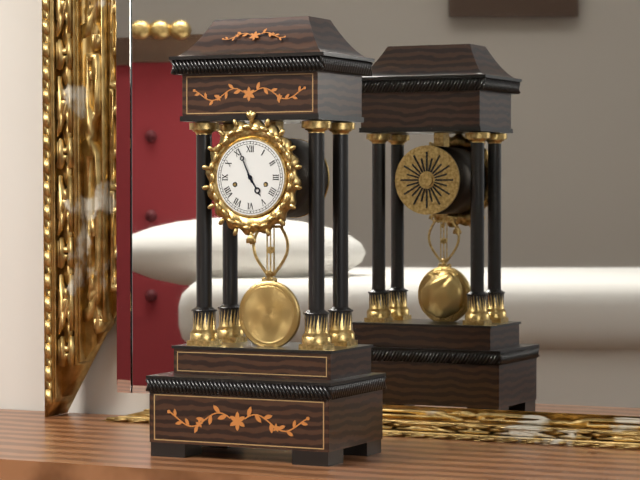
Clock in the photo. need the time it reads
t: 4:56
